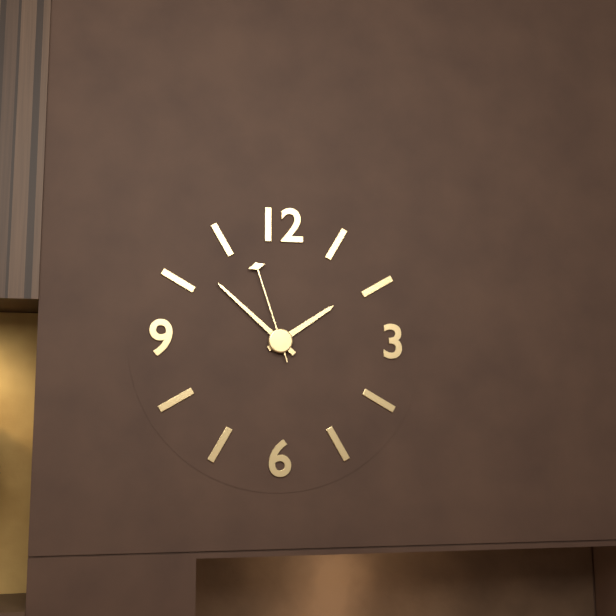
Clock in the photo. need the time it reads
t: 1:52:57
